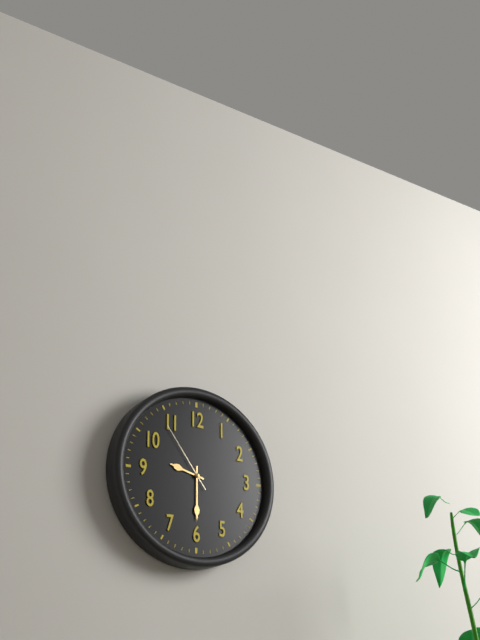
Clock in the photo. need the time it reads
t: 9:30:54
